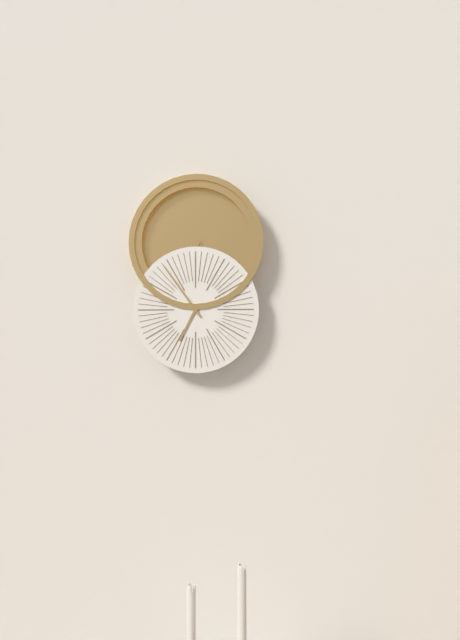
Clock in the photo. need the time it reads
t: 6:54
